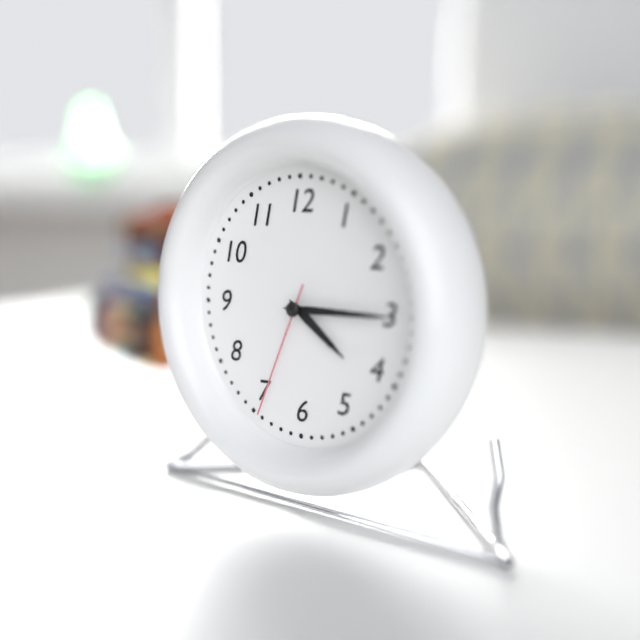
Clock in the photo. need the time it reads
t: 4:15:34
